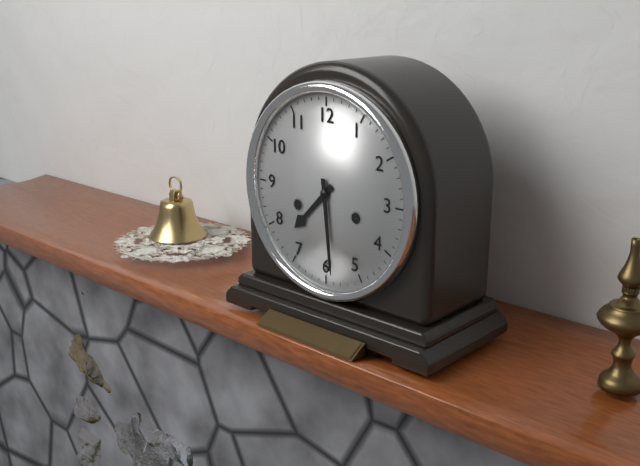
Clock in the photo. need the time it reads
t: 7:29
